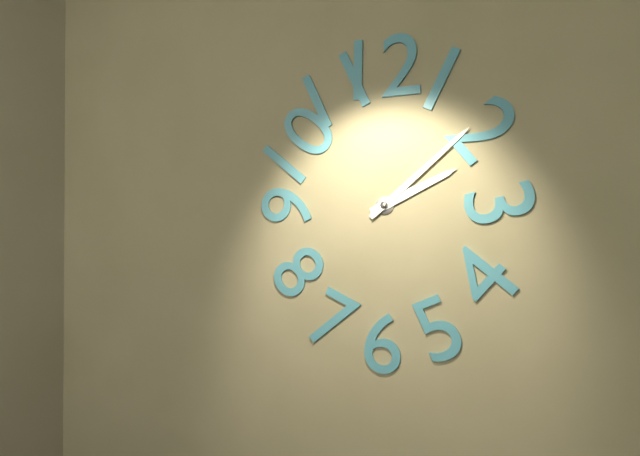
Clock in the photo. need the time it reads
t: 2:08
